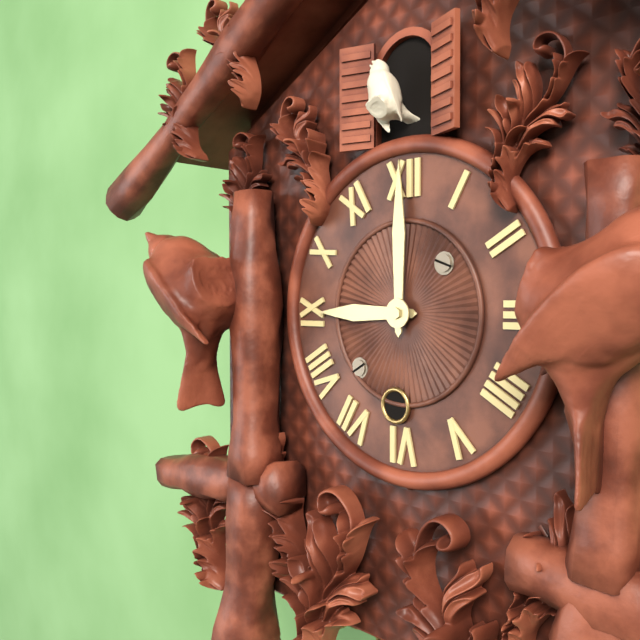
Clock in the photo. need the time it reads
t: 9:00
